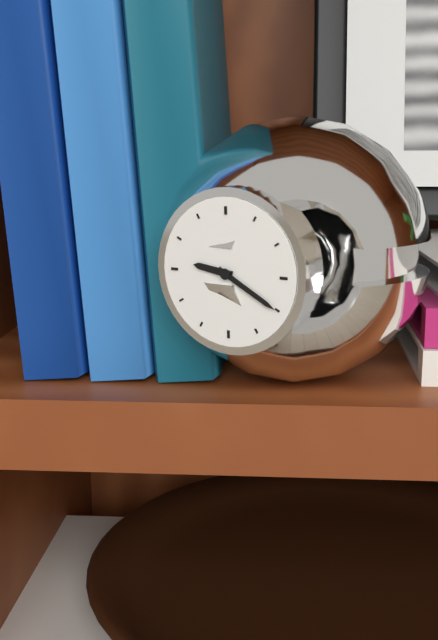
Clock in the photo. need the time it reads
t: 9:20
